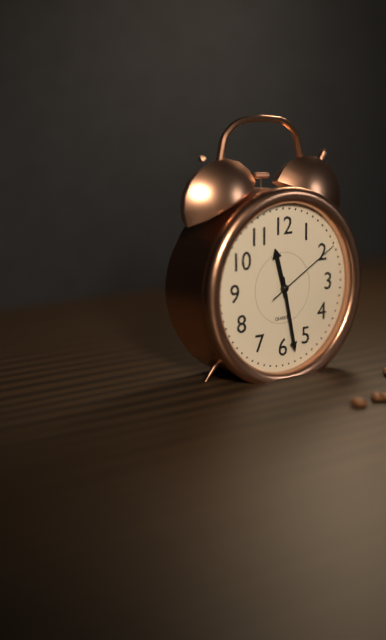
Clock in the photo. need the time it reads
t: 11:28:10
